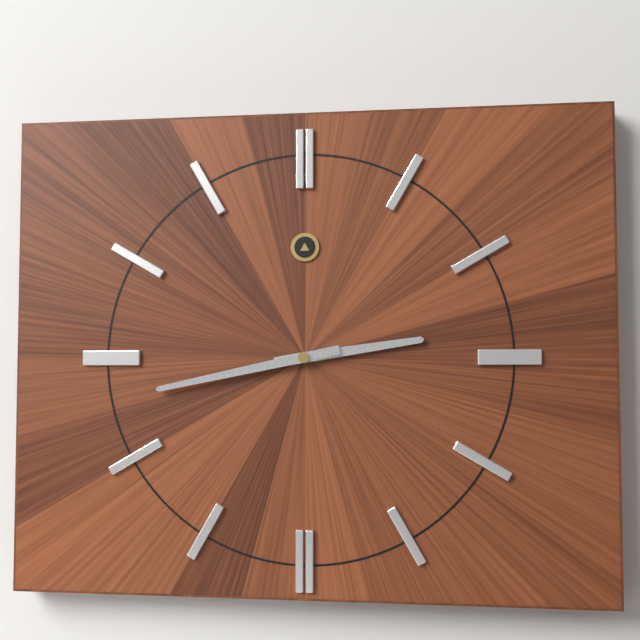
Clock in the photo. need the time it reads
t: 2:43
